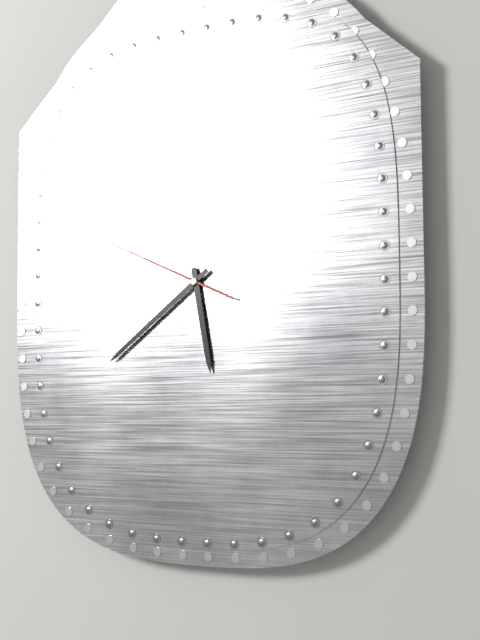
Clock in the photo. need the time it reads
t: 5:39:49
